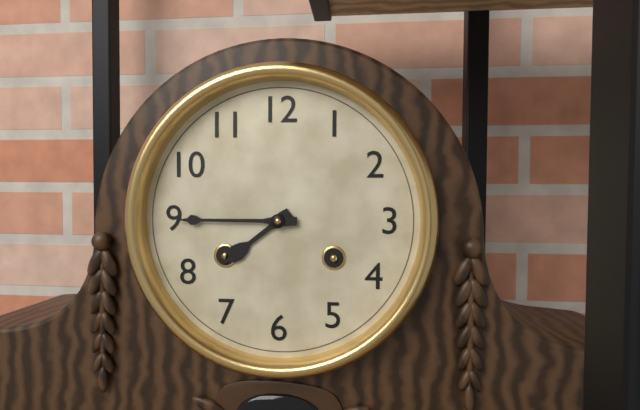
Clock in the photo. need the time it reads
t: 7:45
